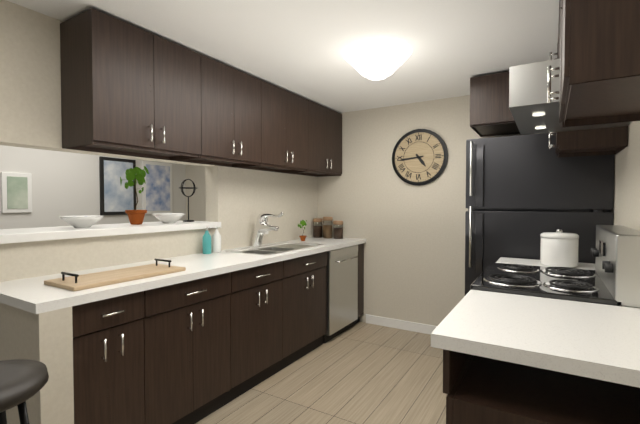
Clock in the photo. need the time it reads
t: 4:44
